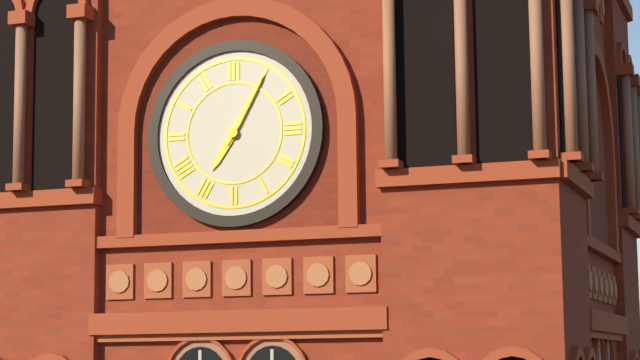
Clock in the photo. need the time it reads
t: 7:05
